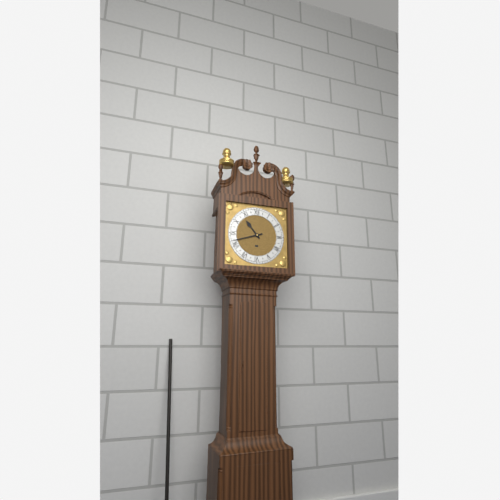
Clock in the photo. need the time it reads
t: 10:42
